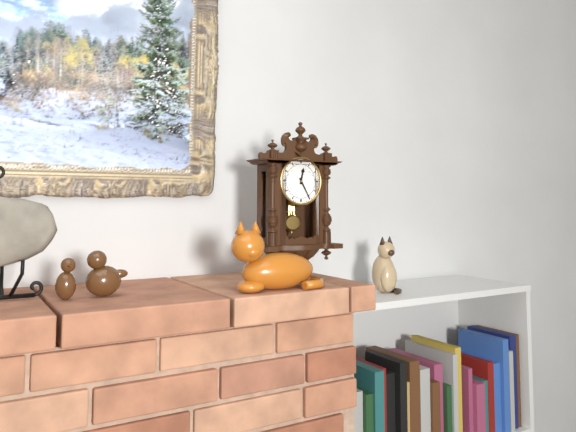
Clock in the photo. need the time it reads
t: 12:25
